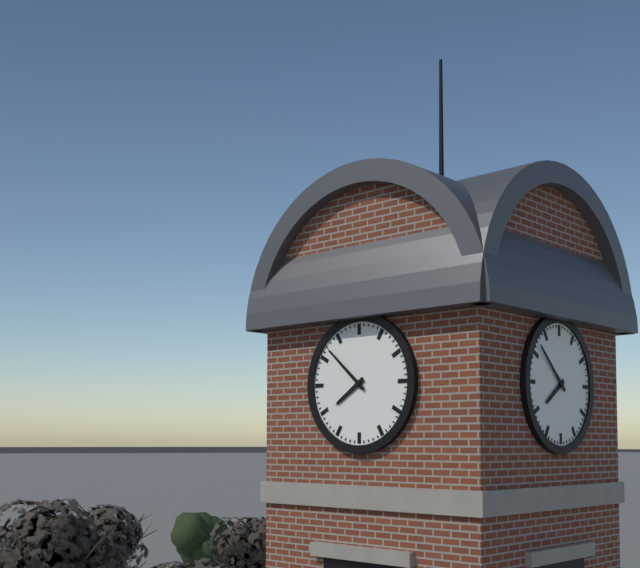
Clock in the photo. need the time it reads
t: 7:52
